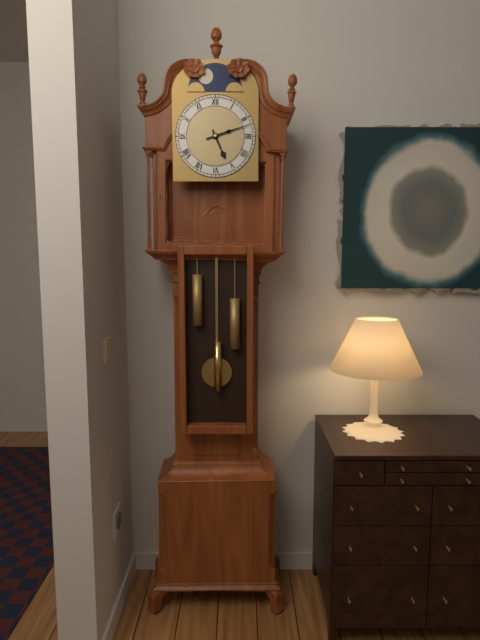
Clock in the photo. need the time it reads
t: 5:12
